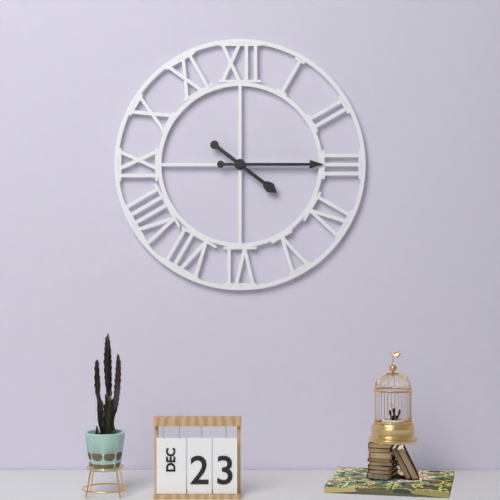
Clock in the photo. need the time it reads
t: 4:15
